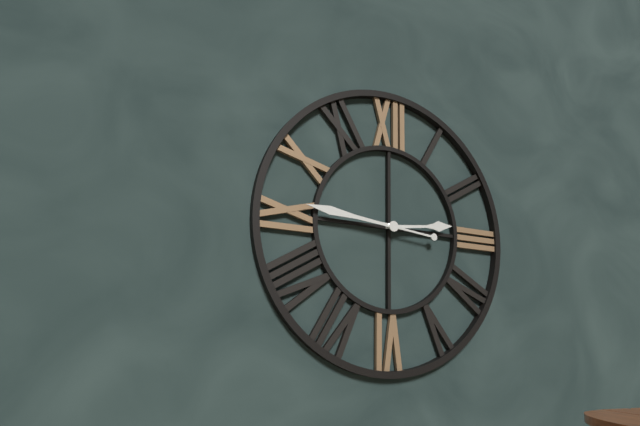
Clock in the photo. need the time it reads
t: 2:46
